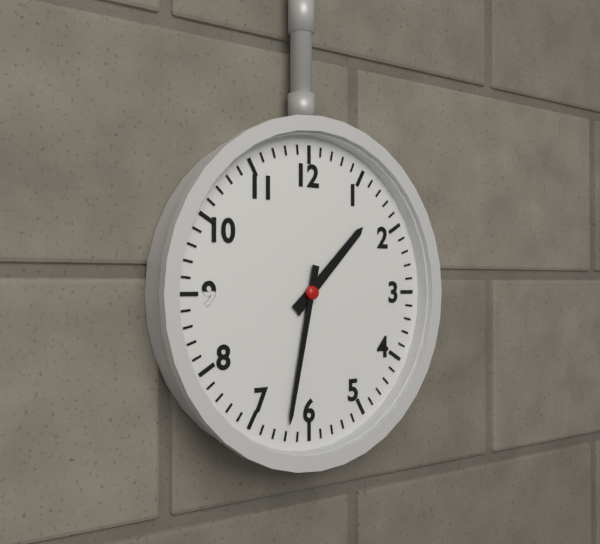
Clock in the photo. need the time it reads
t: 1:32
